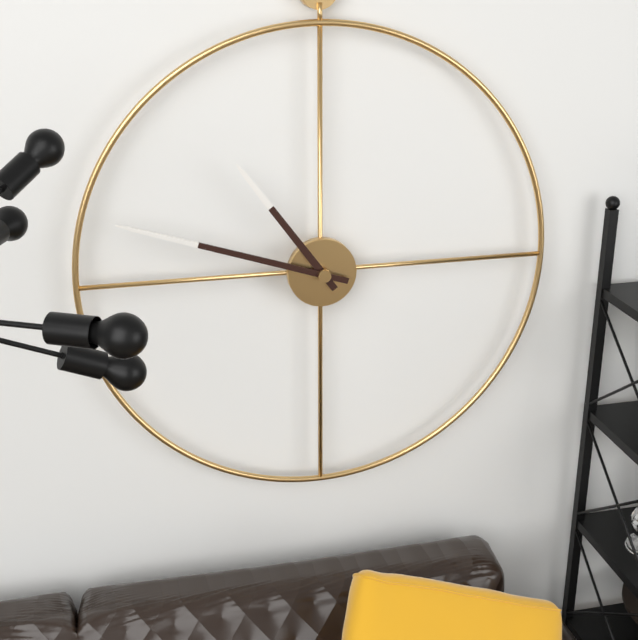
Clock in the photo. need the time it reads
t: 10:48
